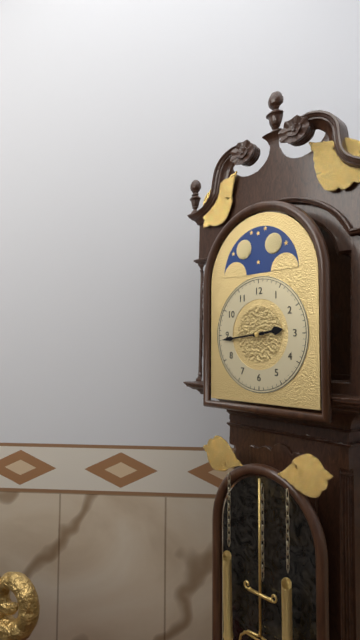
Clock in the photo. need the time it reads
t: 2:44
